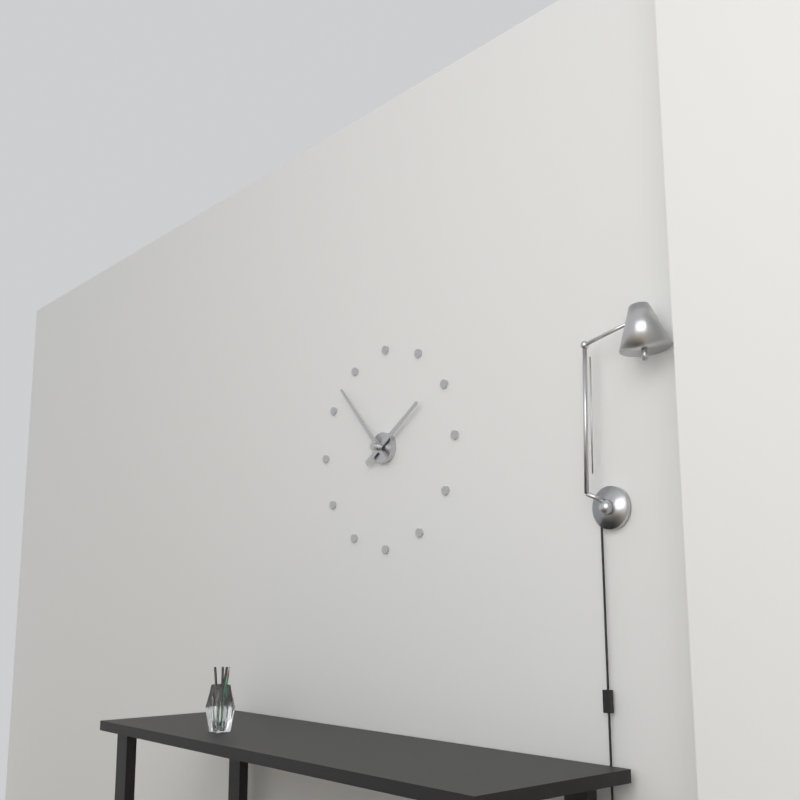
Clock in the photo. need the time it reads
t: 1:53
